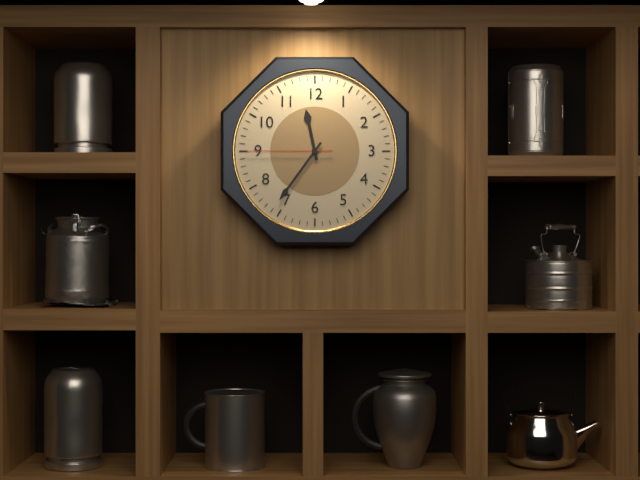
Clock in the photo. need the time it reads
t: 11:36:45
